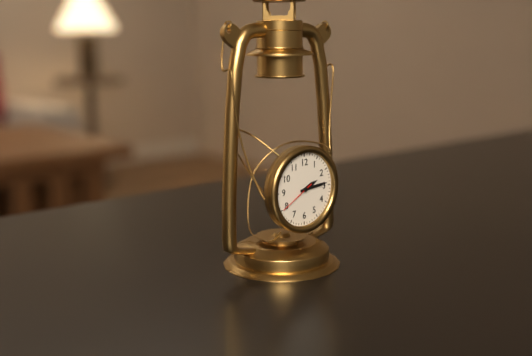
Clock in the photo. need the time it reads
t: 2:14
